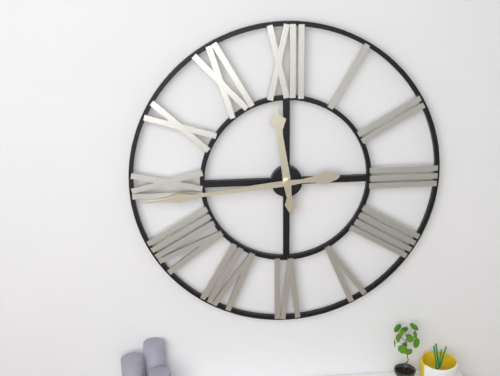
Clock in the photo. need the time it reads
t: 11:44
